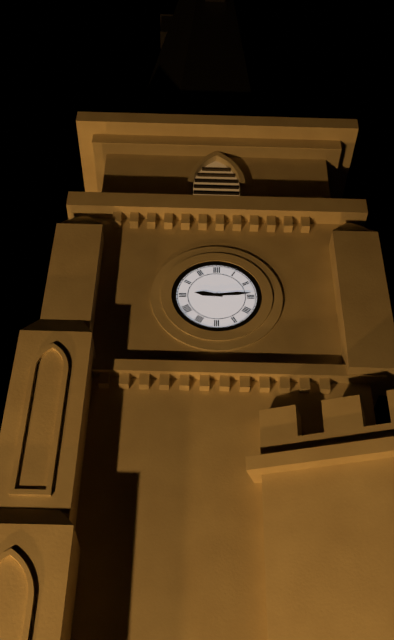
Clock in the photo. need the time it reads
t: 9:14
